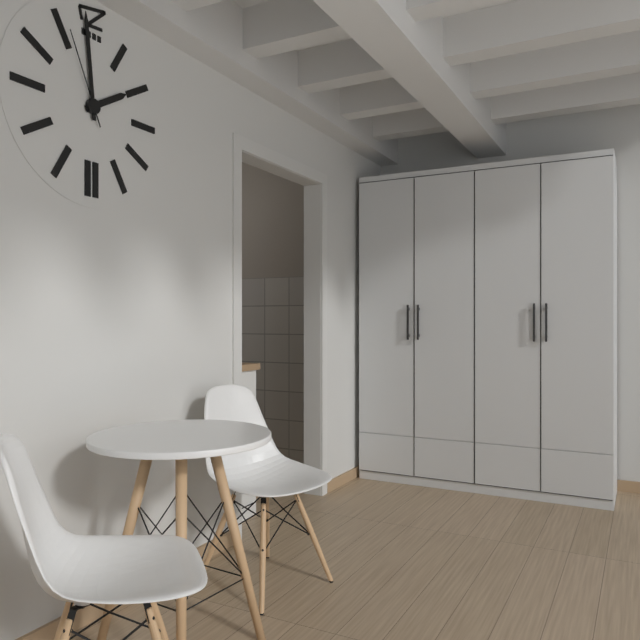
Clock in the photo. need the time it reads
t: 1:59:56
